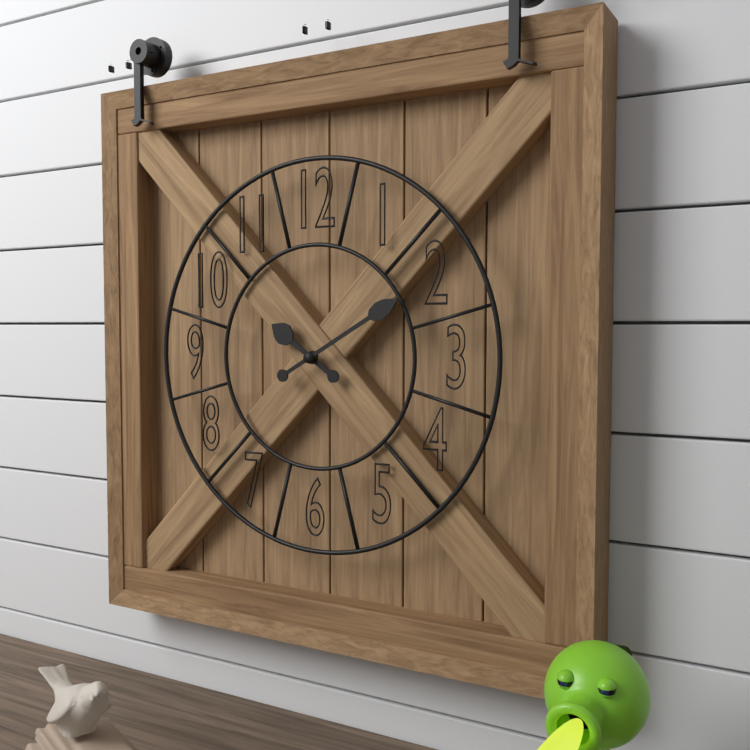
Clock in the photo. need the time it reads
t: 10:10
